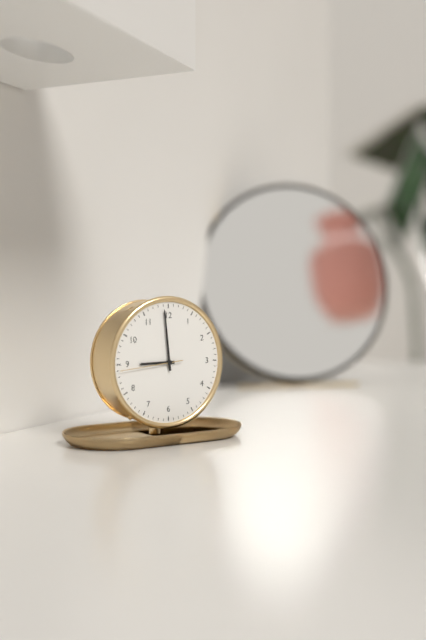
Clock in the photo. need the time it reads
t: 8:59:44
